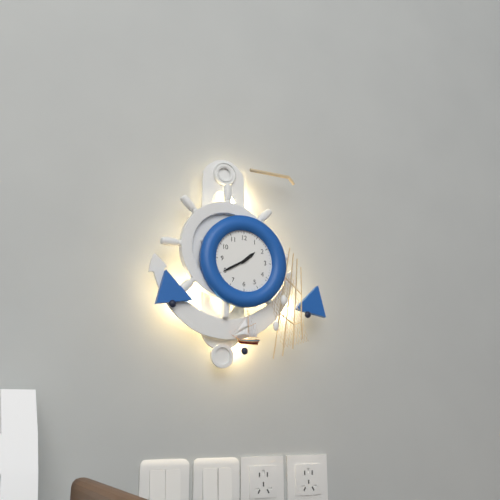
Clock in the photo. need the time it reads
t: 1:40
